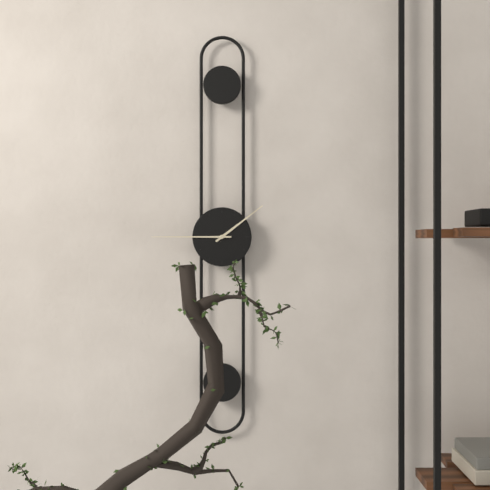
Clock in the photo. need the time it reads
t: 1:45
